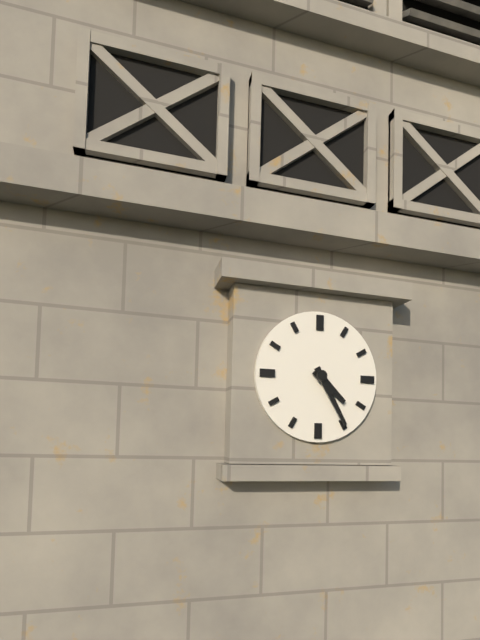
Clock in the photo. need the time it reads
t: 4:25
